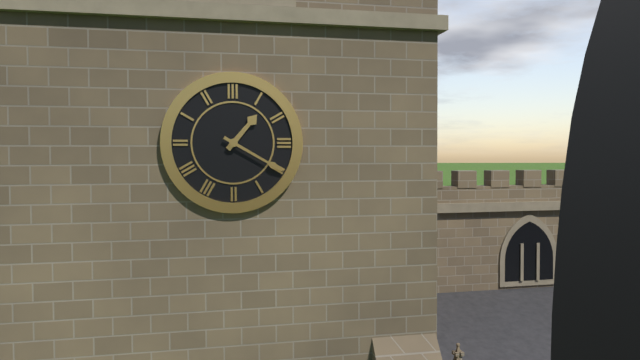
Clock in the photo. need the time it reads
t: 1:20
